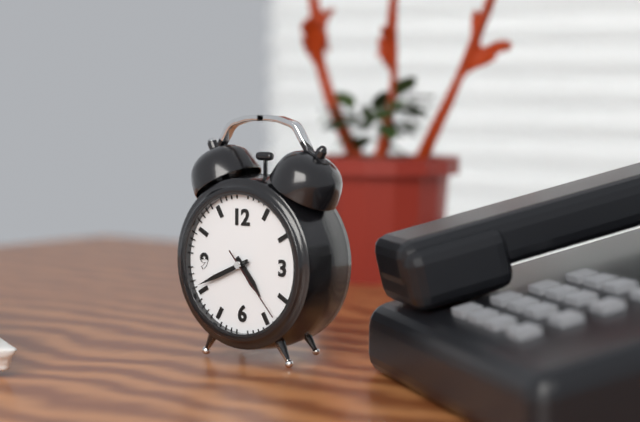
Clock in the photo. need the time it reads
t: 4:41:23
